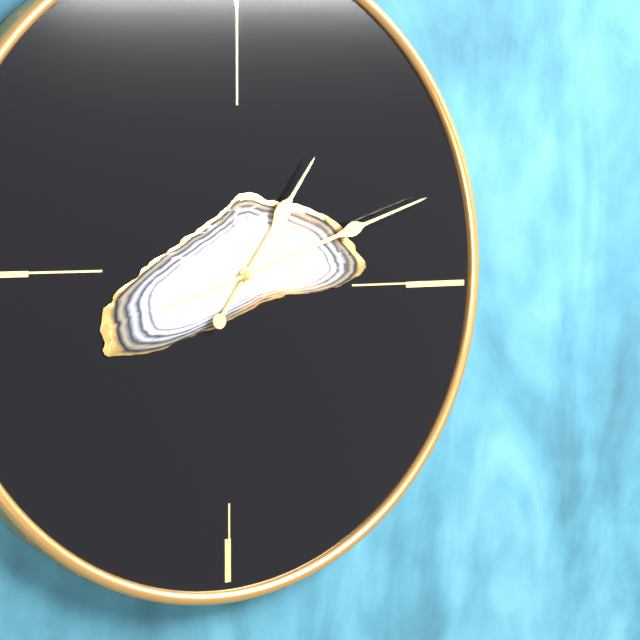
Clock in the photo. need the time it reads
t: 1:12
